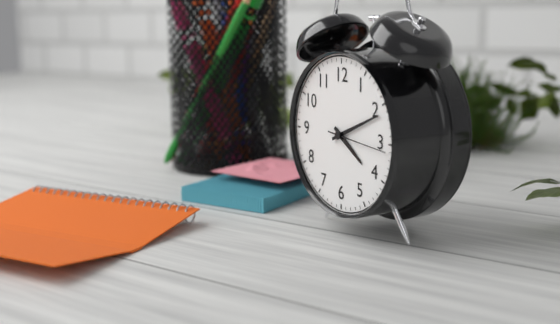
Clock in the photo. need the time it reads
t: 4:11:16
